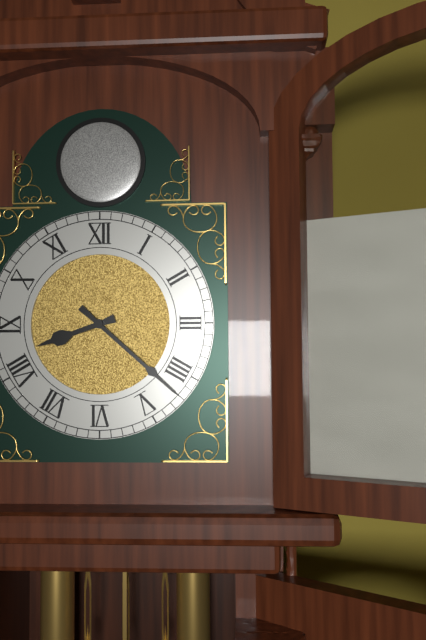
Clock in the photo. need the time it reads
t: 8:22
